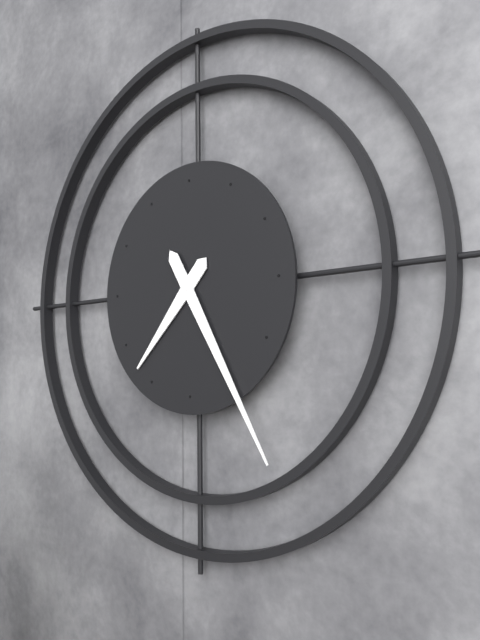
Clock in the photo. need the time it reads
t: 7:25
